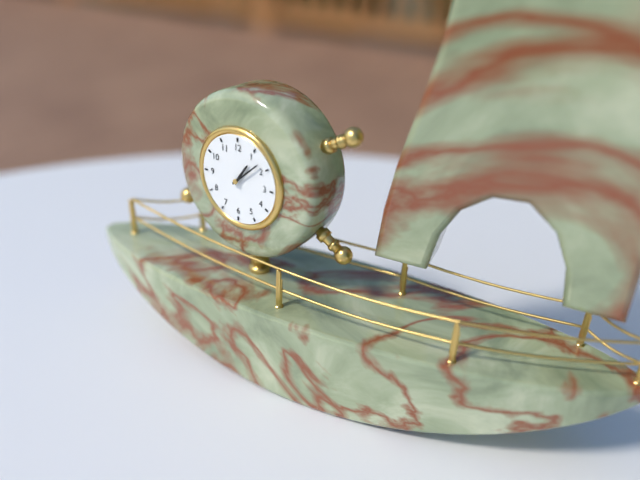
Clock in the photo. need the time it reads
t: 1:08
